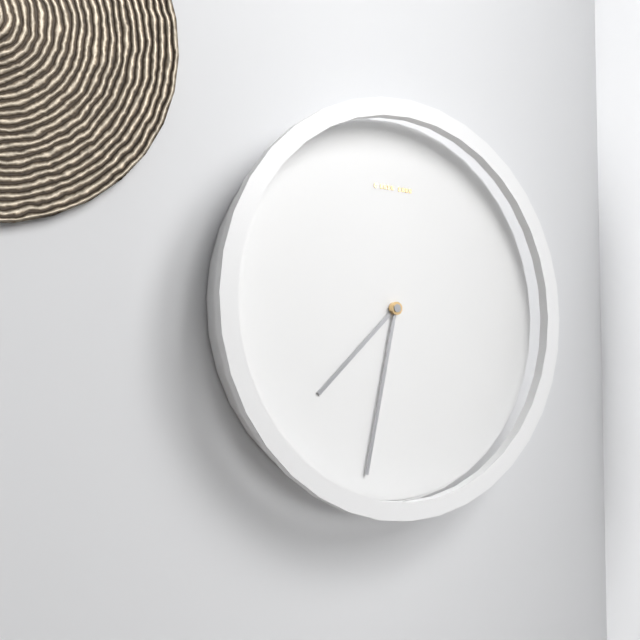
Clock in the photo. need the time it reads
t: 7:32
